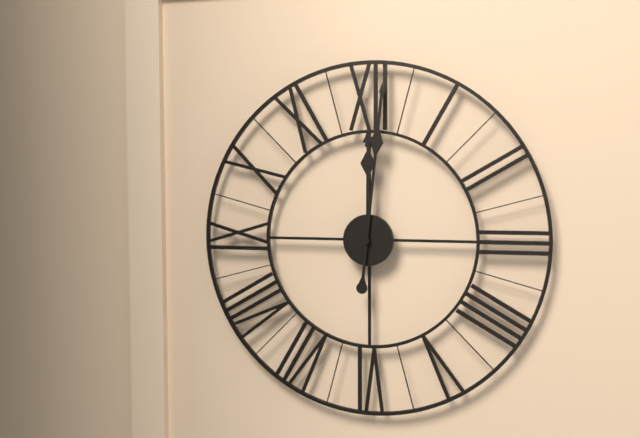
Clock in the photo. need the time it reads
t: 12:01
